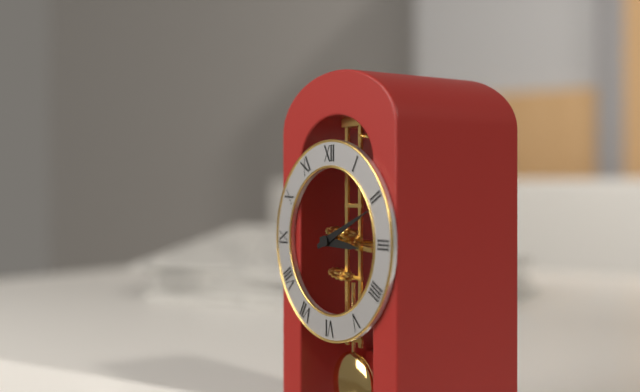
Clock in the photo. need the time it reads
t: 3:11
